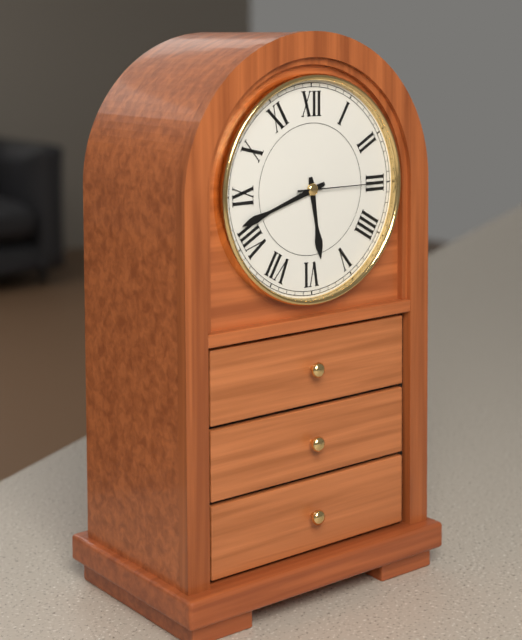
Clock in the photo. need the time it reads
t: 5:42:15
